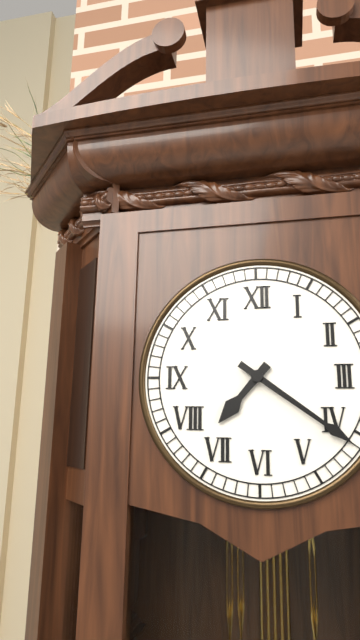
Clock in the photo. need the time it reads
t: 7:21
